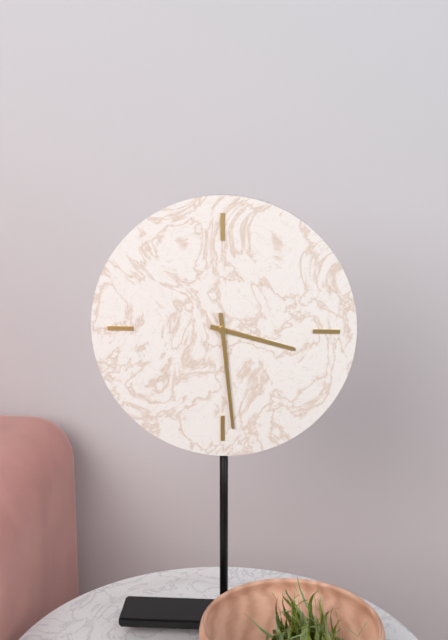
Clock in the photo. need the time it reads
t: 3:29
